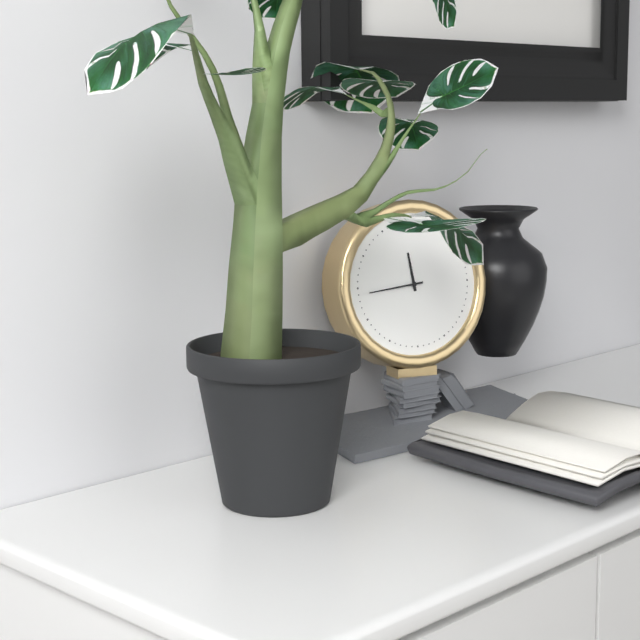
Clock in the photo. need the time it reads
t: 11:44
